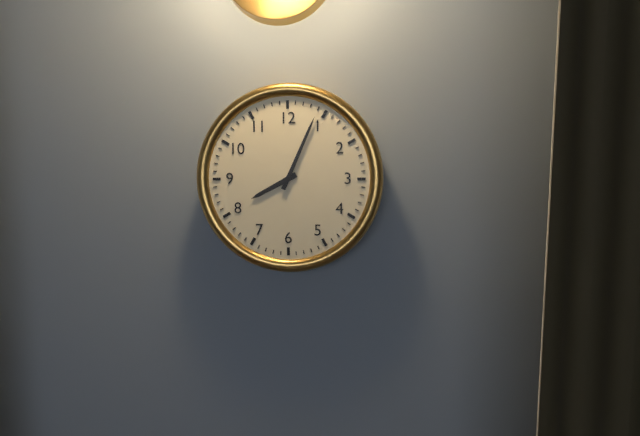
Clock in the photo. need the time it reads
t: 8:04
